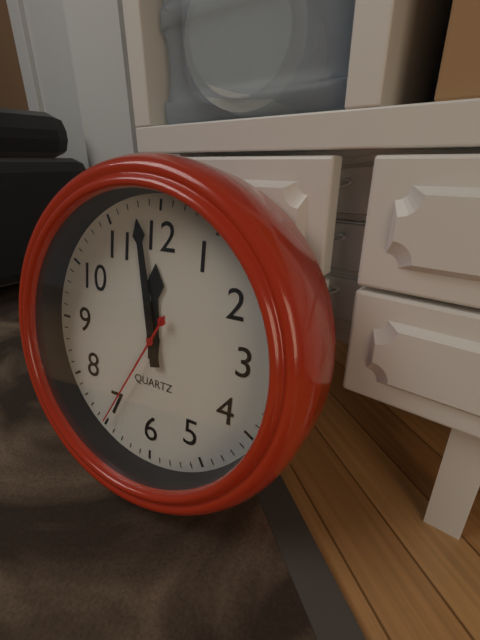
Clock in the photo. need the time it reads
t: 11:58:35
